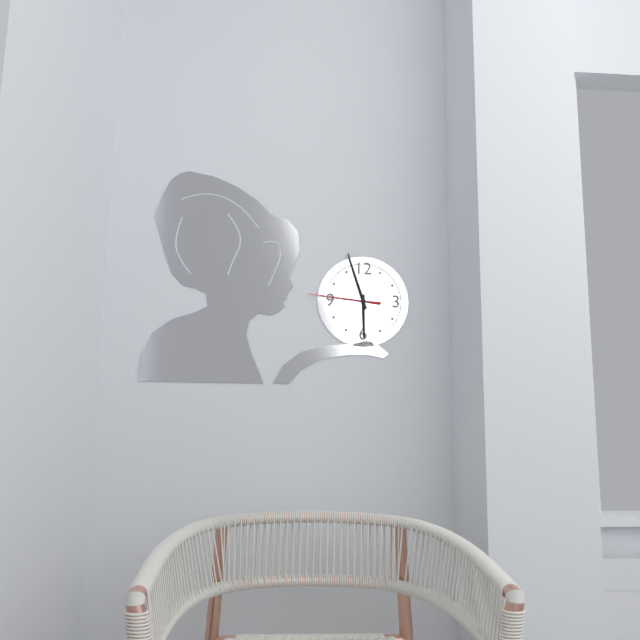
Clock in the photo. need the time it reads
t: 5:57:46
